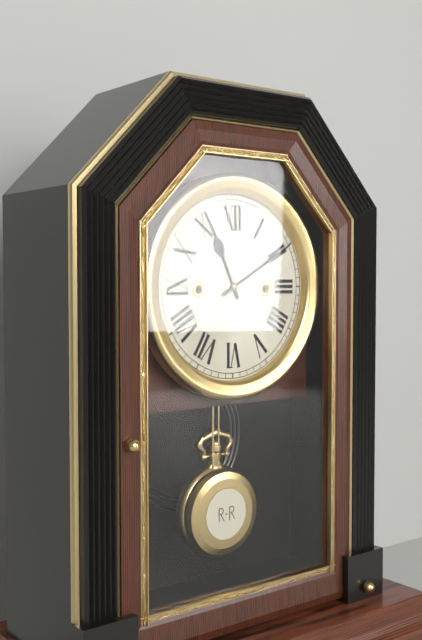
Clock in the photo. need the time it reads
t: 11:10
